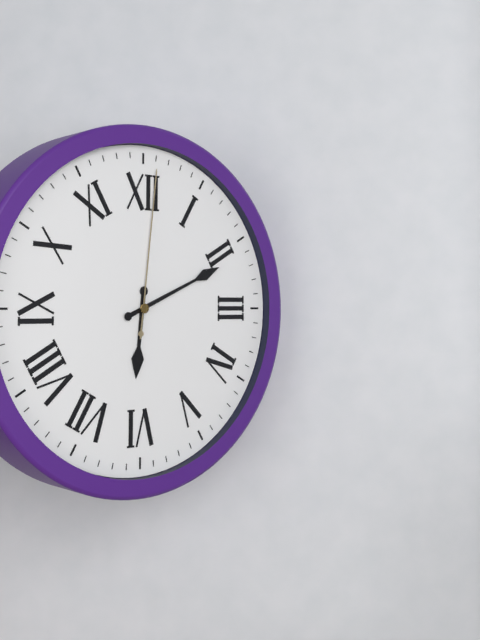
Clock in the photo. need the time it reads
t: 6:11:01
